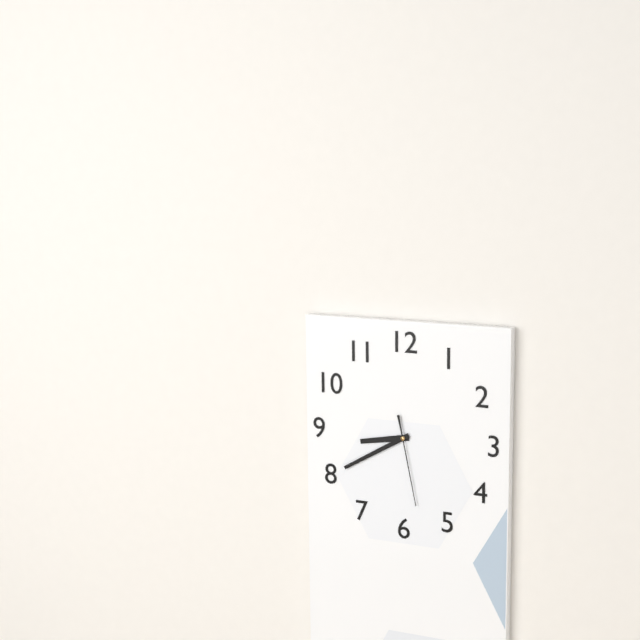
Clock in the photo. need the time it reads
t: 8:40:28
